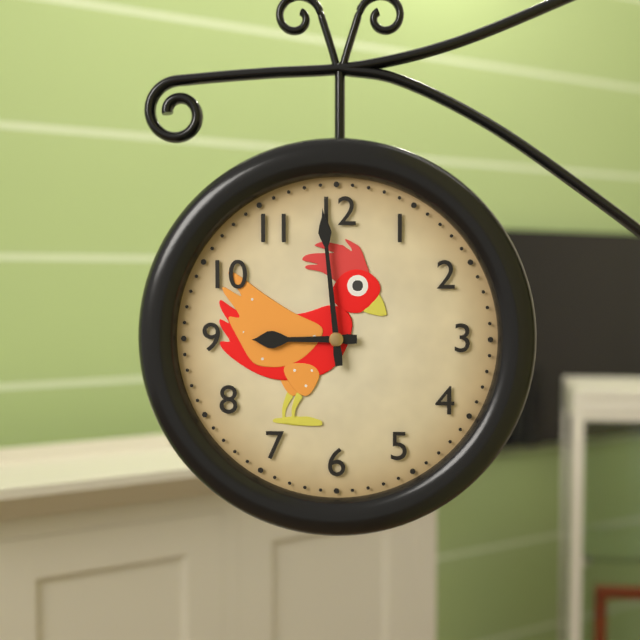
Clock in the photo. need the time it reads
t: 8:59
